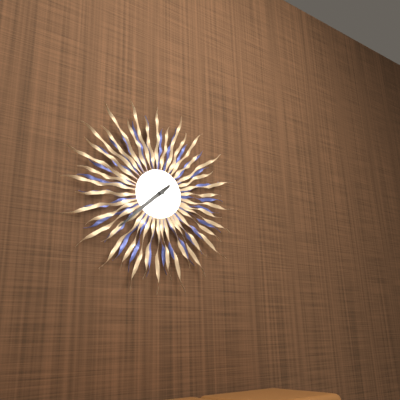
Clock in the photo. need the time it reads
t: 7:38
